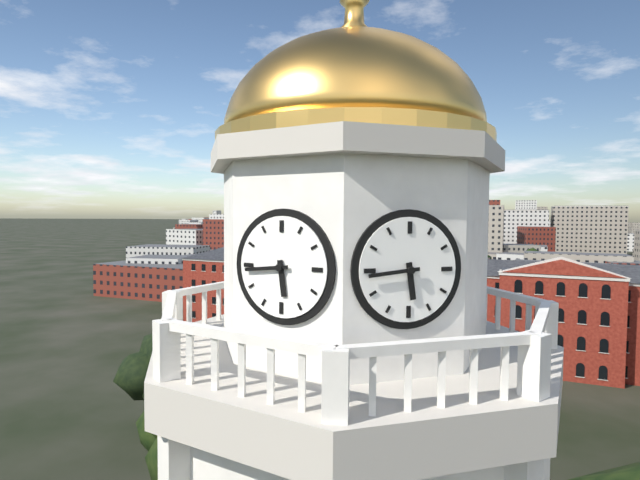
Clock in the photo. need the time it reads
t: 5:44
